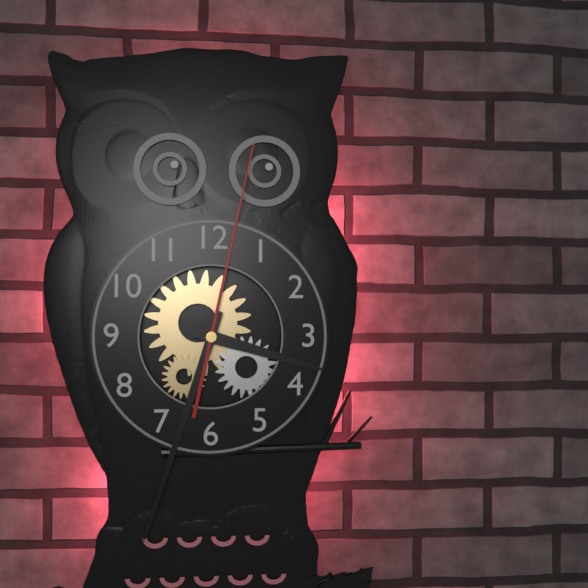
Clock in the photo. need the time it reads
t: 3:33:02
